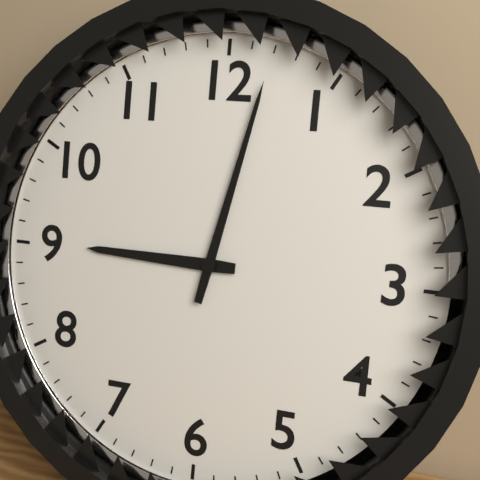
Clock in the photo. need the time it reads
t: 9:02
